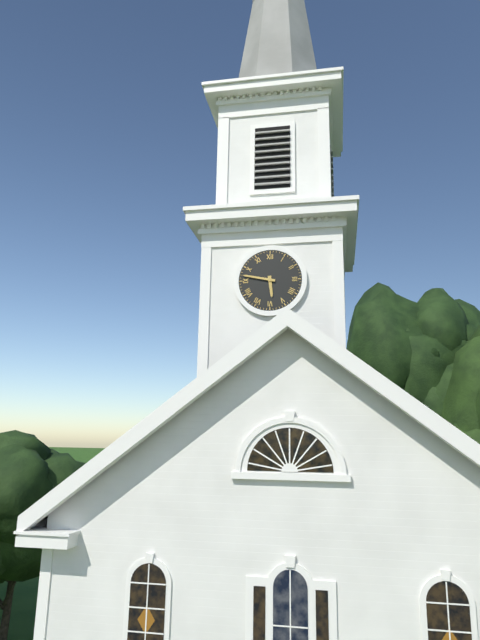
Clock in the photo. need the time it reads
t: 5:47
